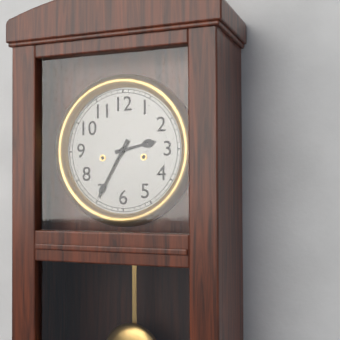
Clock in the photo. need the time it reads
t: 2:35
